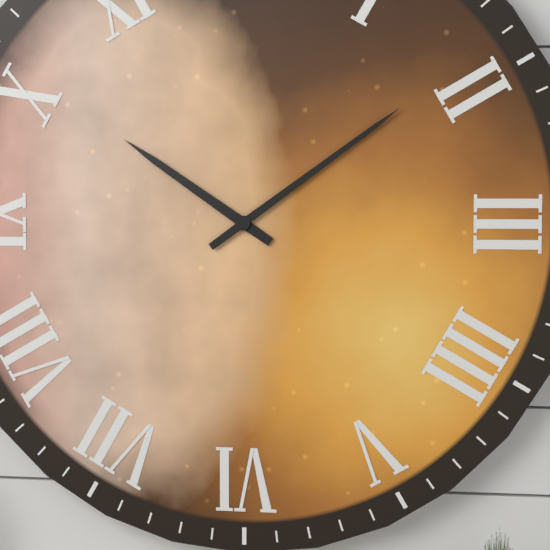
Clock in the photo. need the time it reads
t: 10:09
